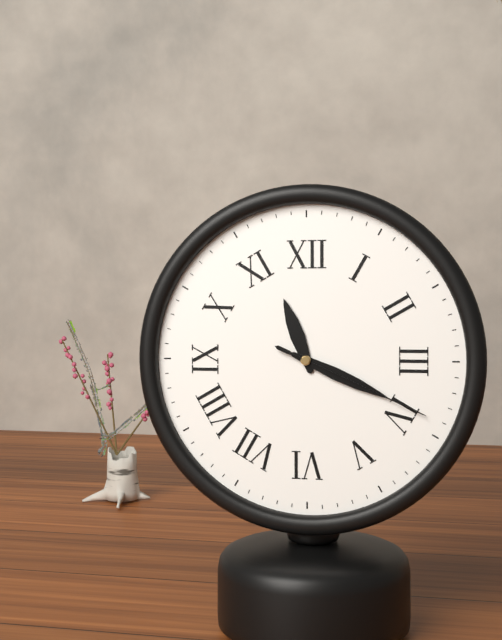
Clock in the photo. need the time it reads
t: 11:19:19
